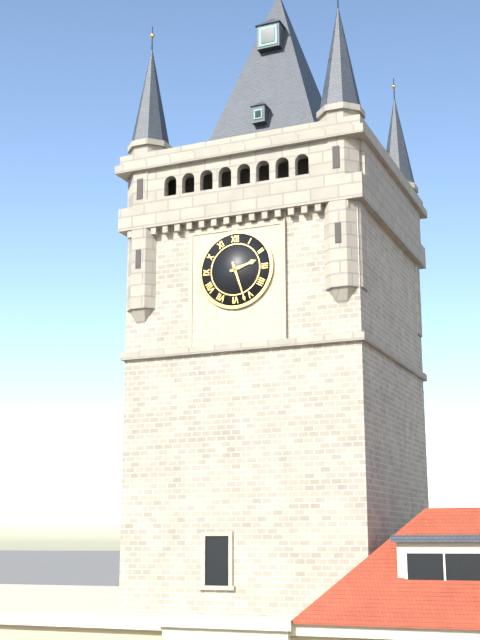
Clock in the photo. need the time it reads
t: 2:27
